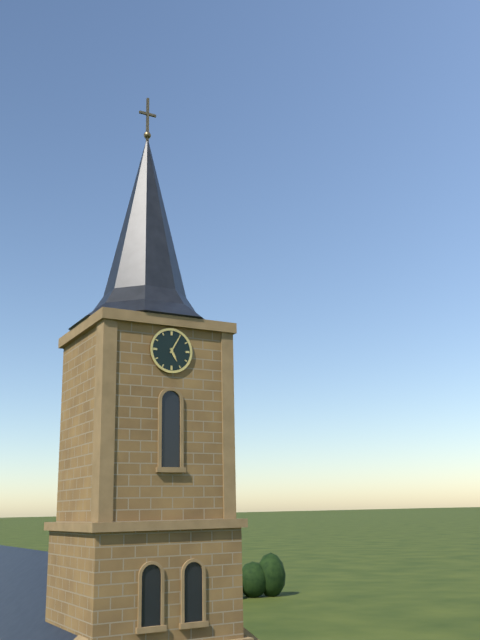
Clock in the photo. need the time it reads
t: 5:05
